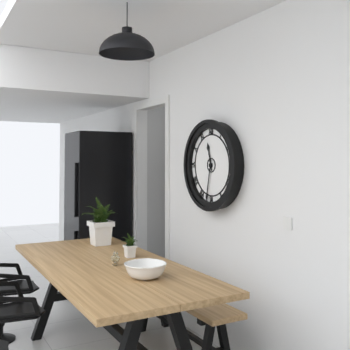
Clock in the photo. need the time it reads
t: 11:32
